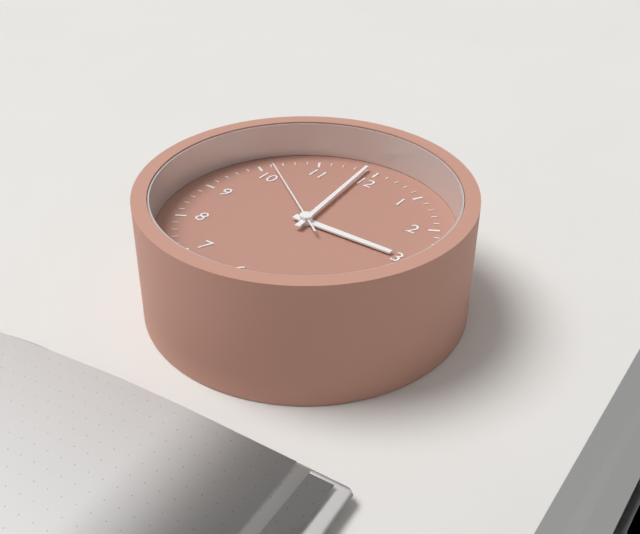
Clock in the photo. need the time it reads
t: 2:59:51
